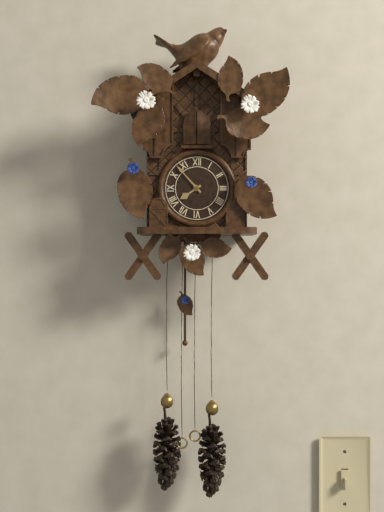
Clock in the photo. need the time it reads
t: 7:53
